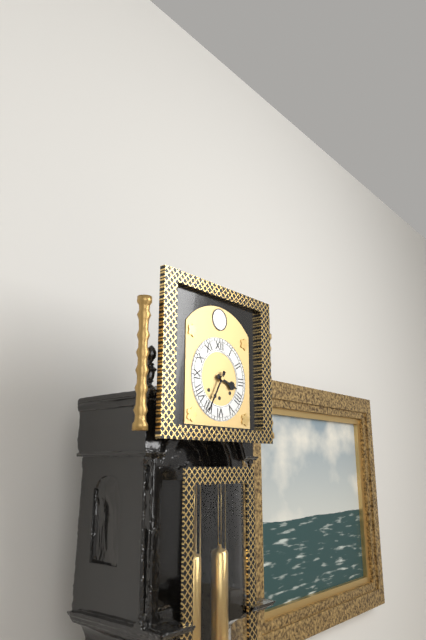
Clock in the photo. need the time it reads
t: 3:35
